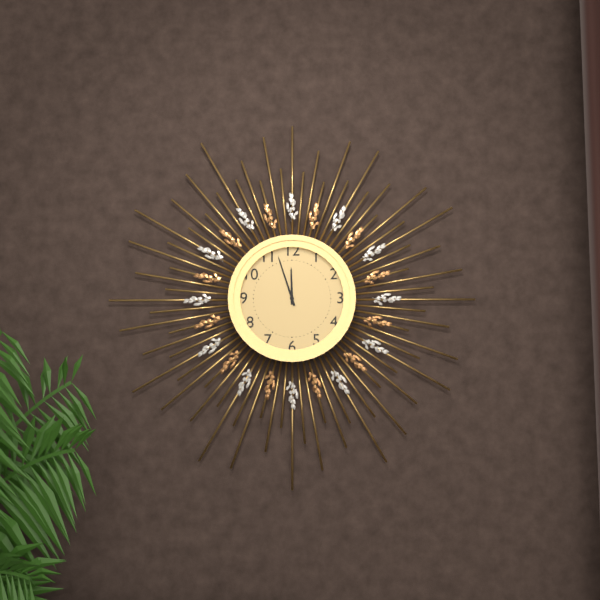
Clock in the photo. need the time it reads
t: 11:57
